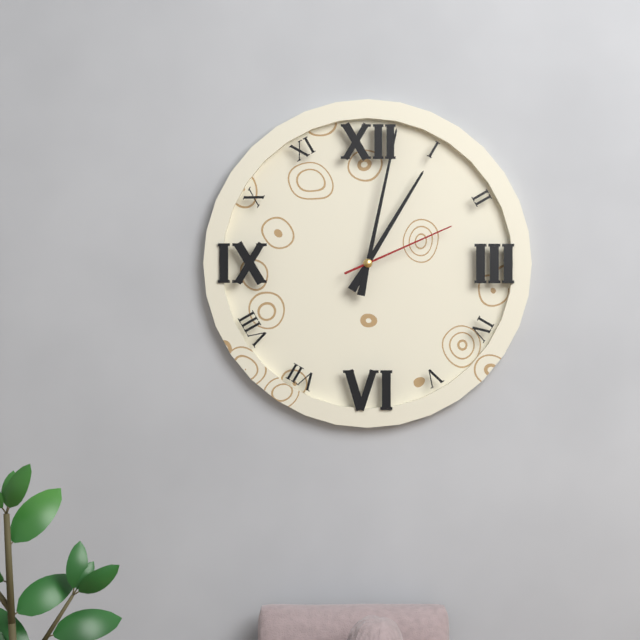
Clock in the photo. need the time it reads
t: 1:02:11
